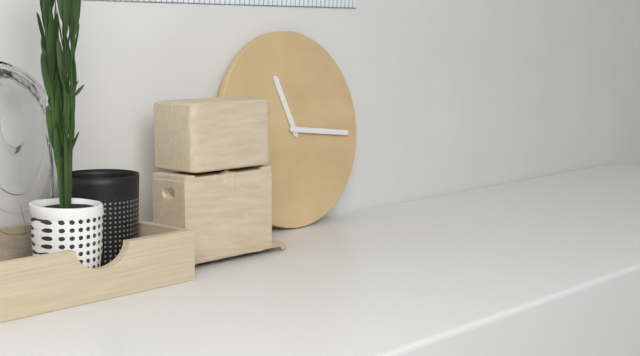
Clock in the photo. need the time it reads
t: 11:16
